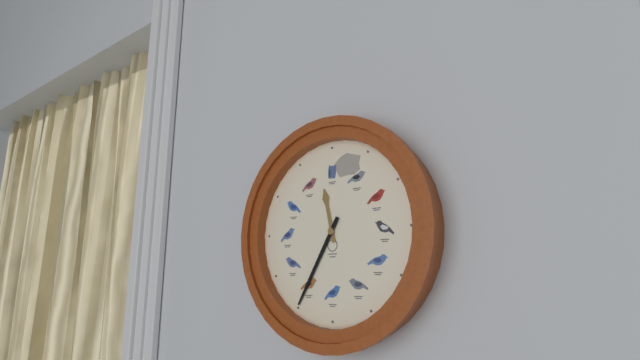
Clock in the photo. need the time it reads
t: 11:35
